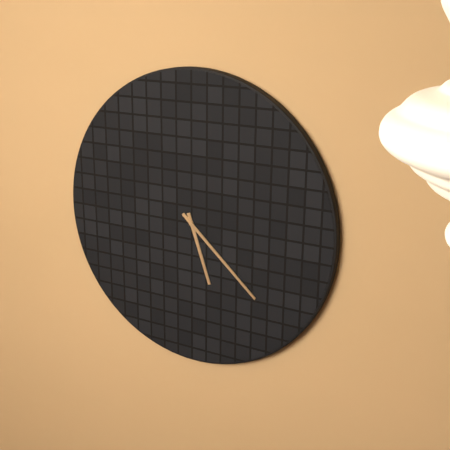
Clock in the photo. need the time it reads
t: 5:22
